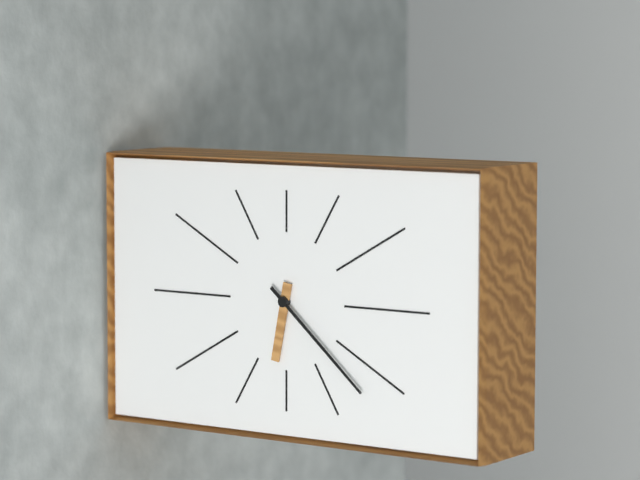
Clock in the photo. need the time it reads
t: 6:22
